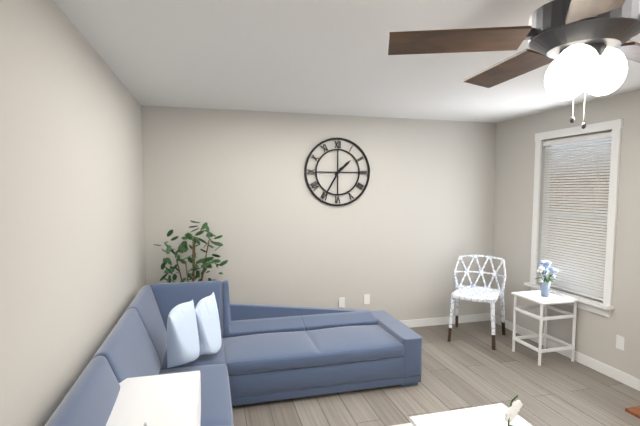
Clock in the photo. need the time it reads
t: 1:35
